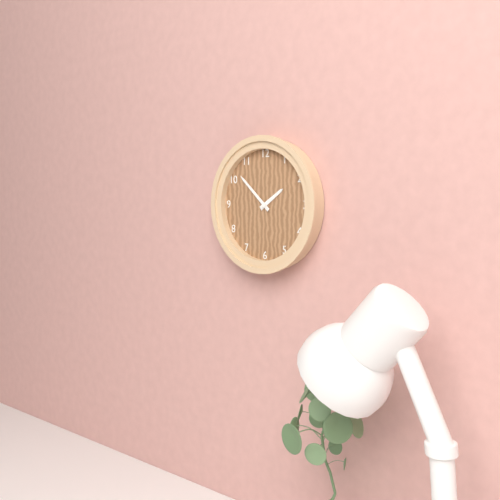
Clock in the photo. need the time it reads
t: 1:52
